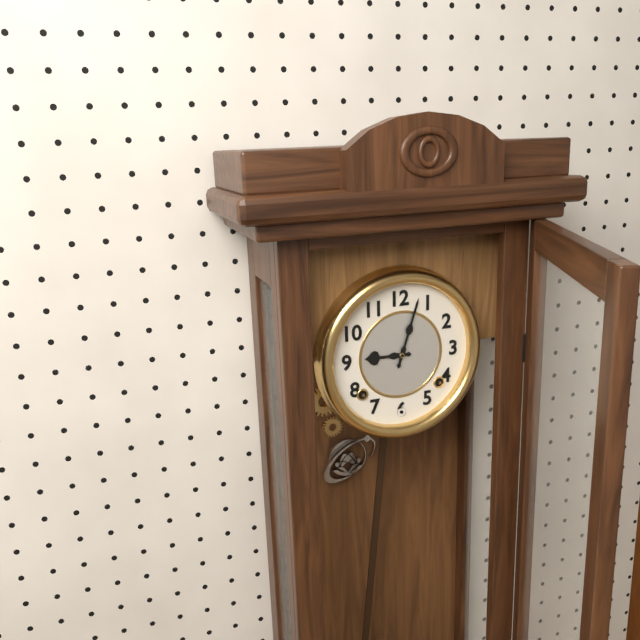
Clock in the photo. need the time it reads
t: 9:03
